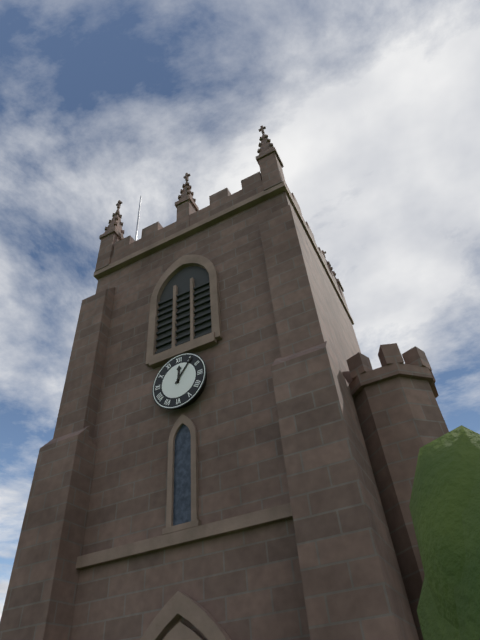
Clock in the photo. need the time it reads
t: 12:06
